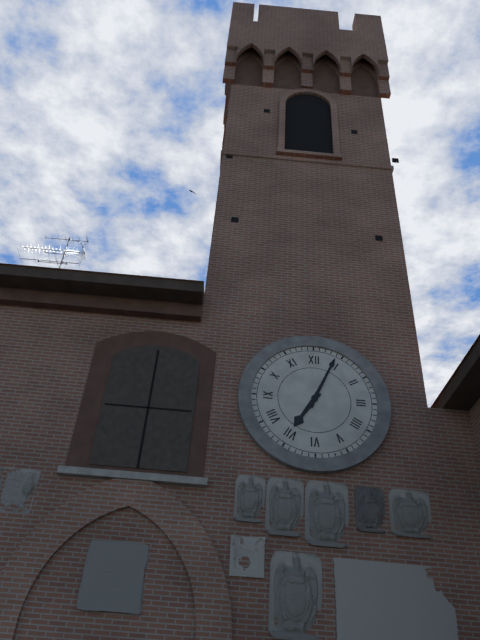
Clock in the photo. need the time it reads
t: 7:04
